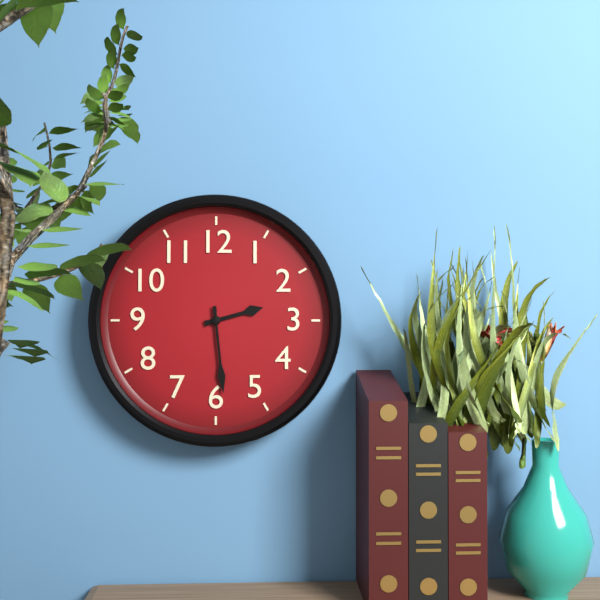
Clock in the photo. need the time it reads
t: 2:29
